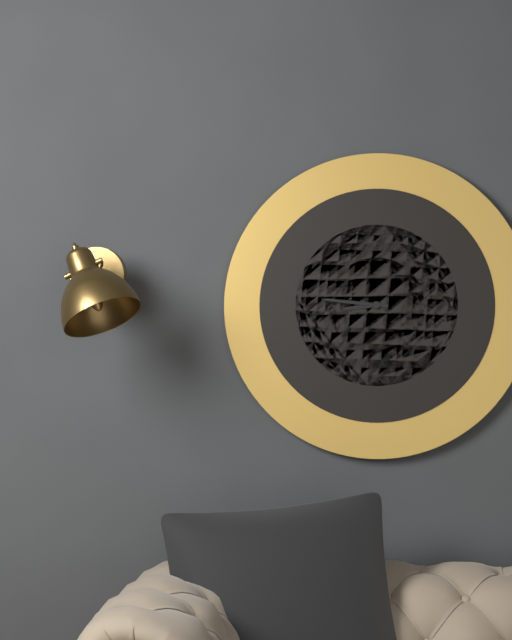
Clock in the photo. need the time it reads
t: 8:46
